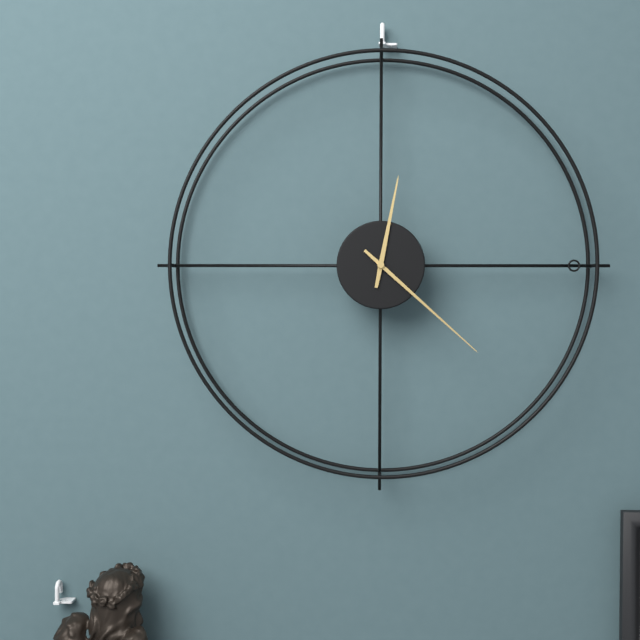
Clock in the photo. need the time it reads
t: 12:22
